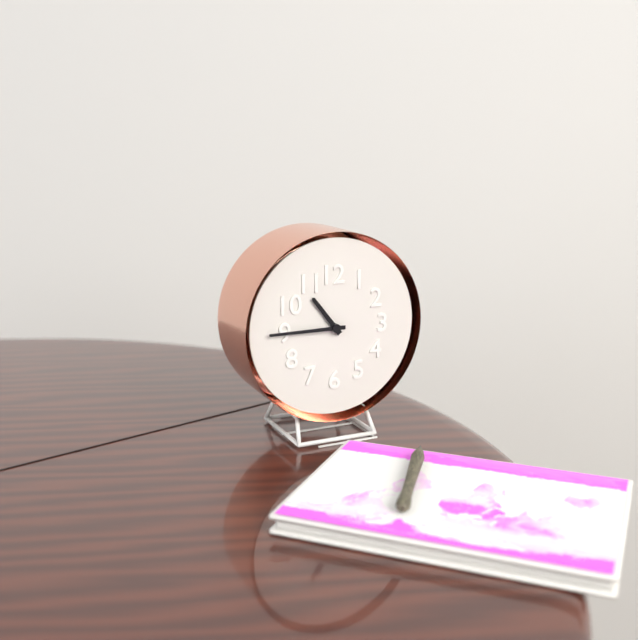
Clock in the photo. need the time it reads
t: 10:45
